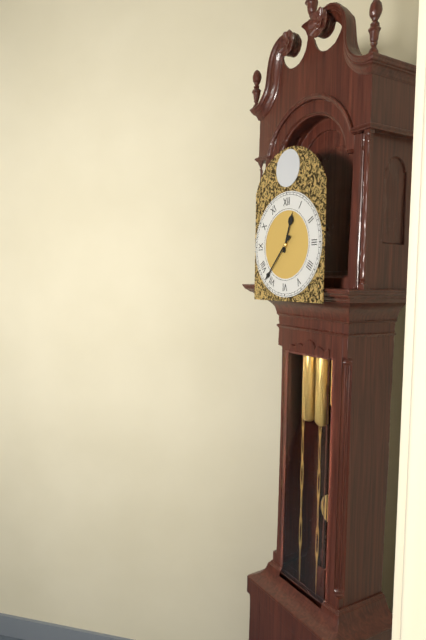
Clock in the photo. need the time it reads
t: 12:37
